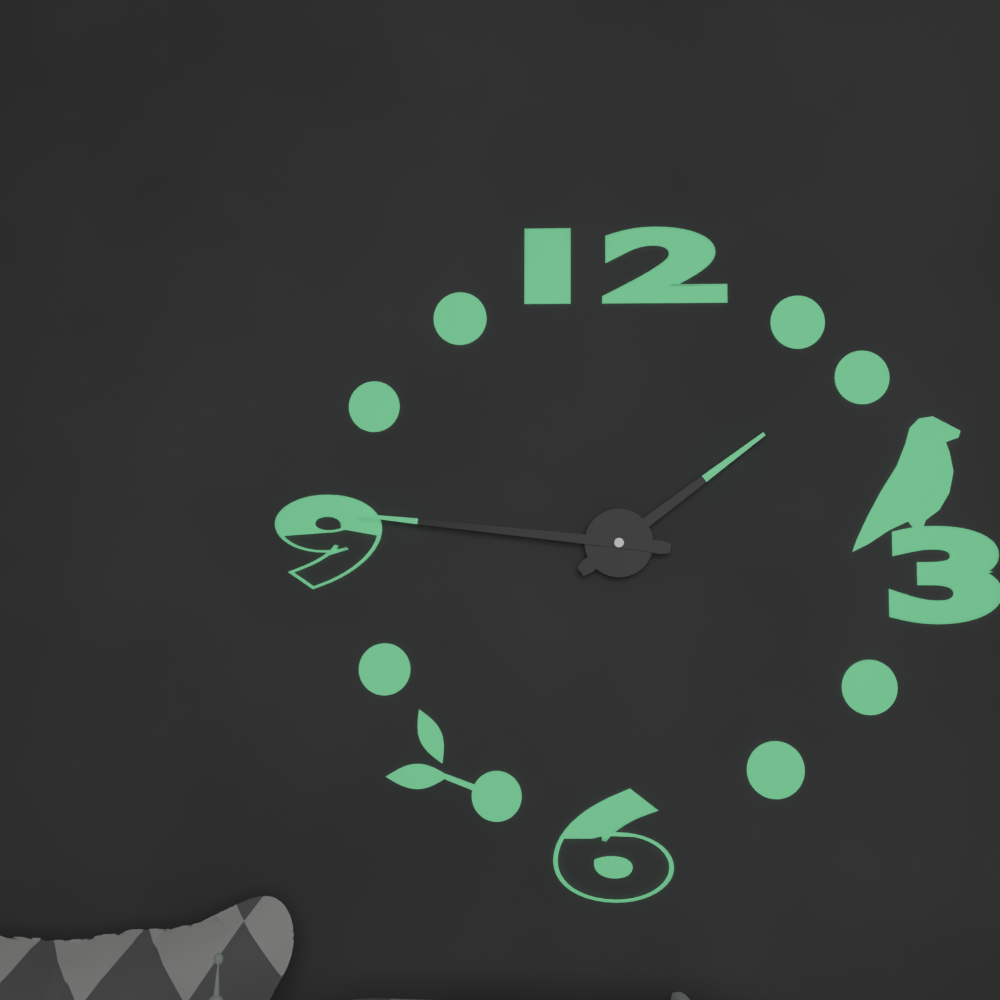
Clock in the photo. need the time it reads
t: 1:46
